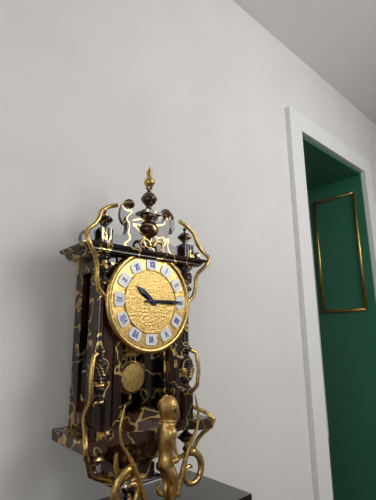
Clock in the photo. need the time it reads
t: 10:15
